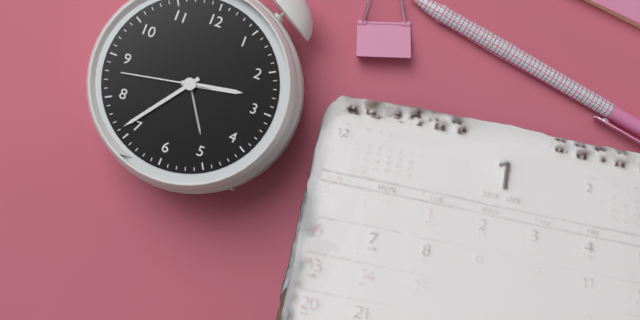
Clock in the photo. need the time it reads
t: 2:36:43
